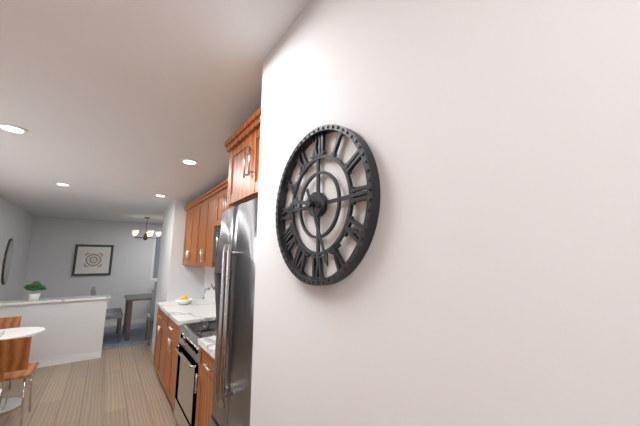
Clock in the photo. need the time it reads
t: 9:26
